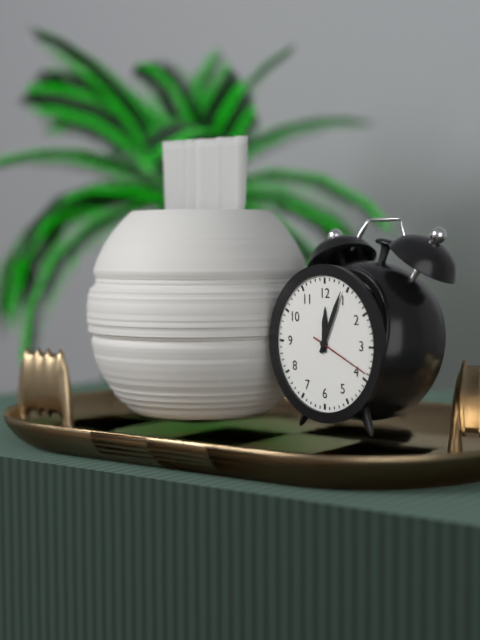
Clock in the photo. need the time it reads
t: 12:04:19
